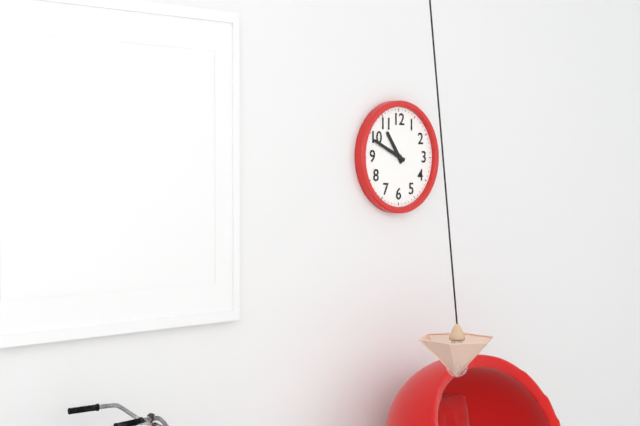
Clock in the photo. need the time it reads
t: 10:49
